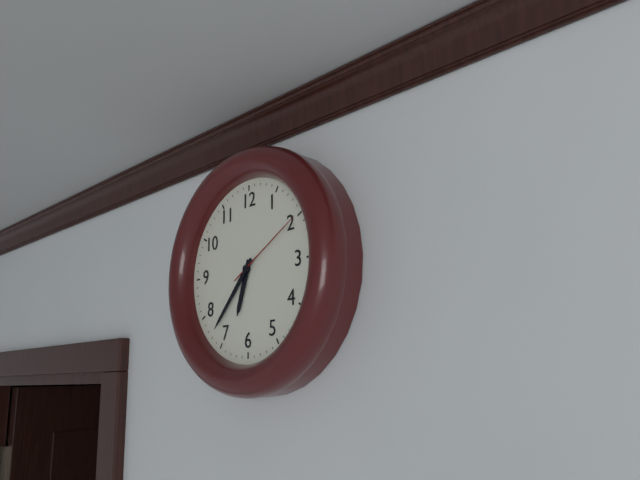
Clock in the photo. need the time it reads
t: 6:37:10
